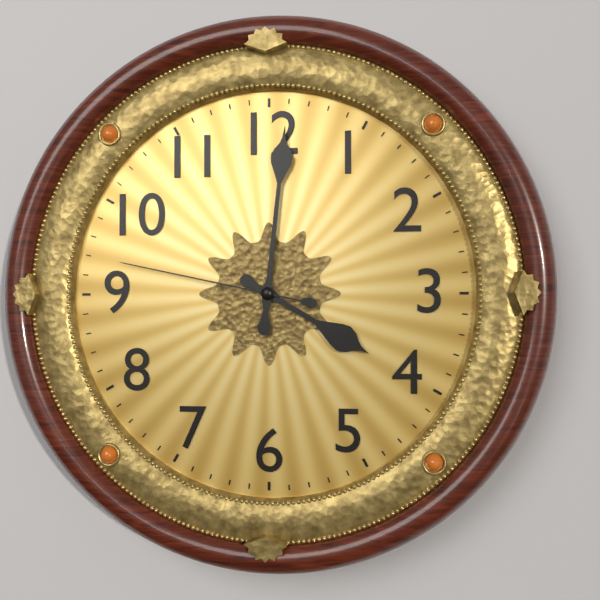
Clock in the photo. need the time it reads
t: 4:01:47
